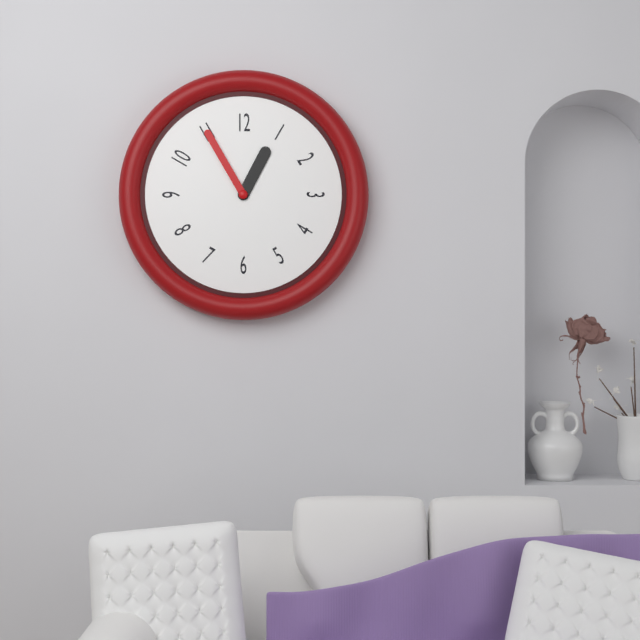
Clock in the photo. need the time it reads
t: 12:55
